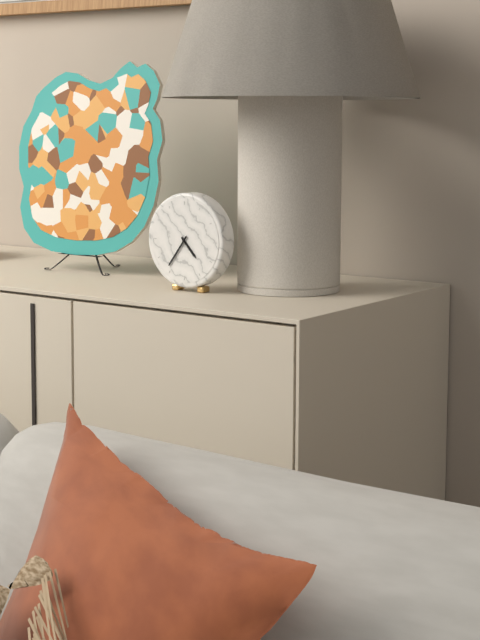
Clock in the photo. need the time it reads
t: 4:36
